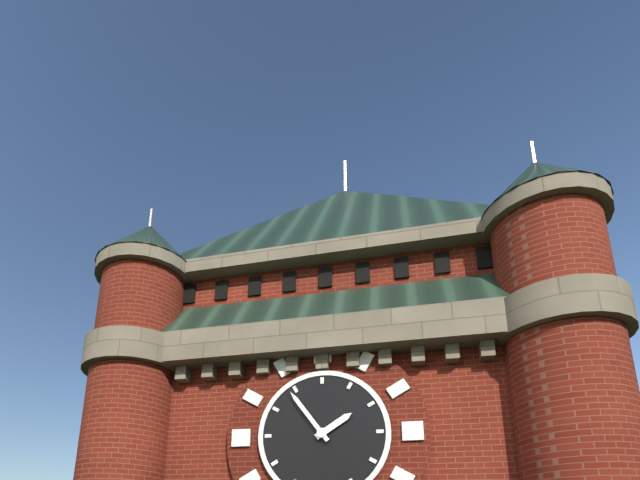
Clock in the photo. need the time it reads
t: 1:54
